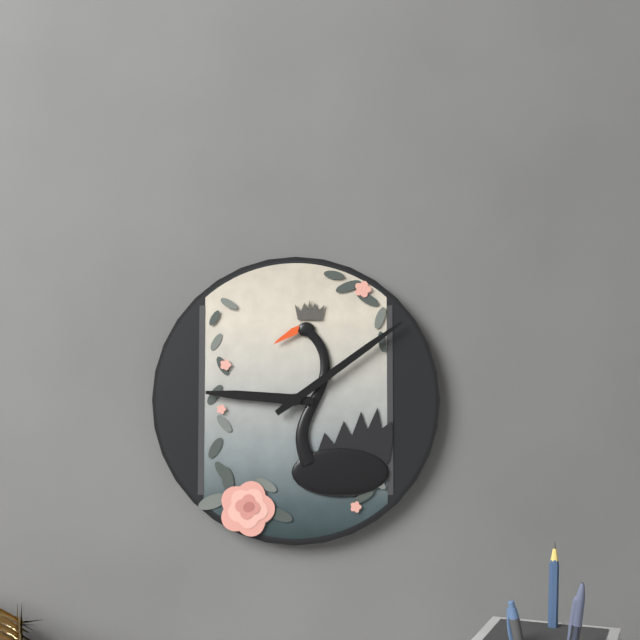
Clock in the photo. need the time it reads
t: 9:09
